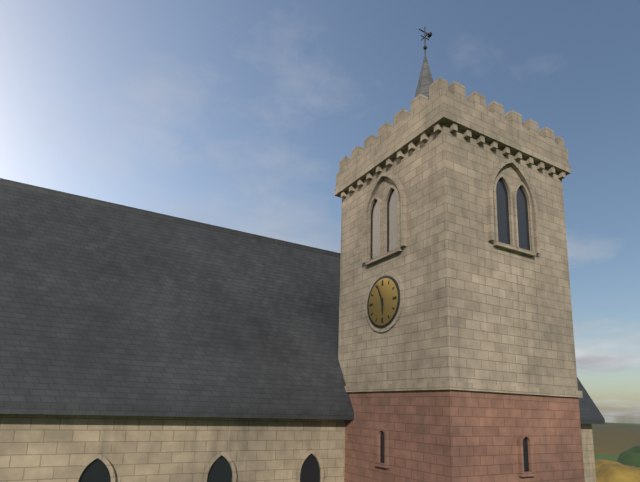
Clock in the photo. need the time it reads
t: 5:56
